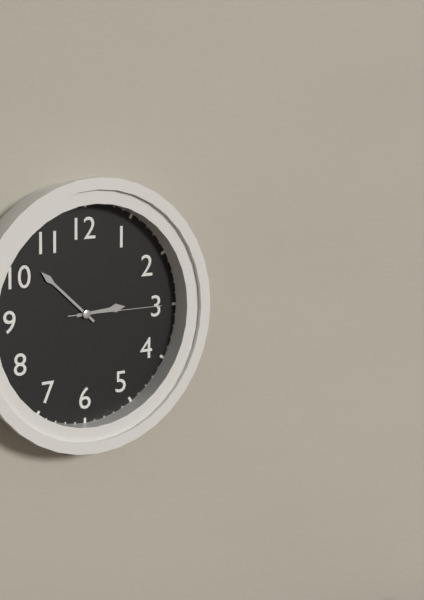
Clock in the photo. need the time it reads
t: 2:52:15
